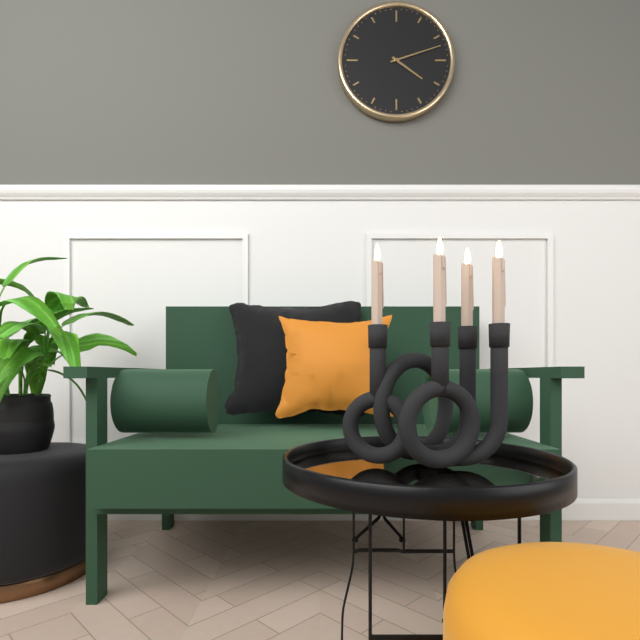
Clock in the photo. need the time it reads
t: 4:12
